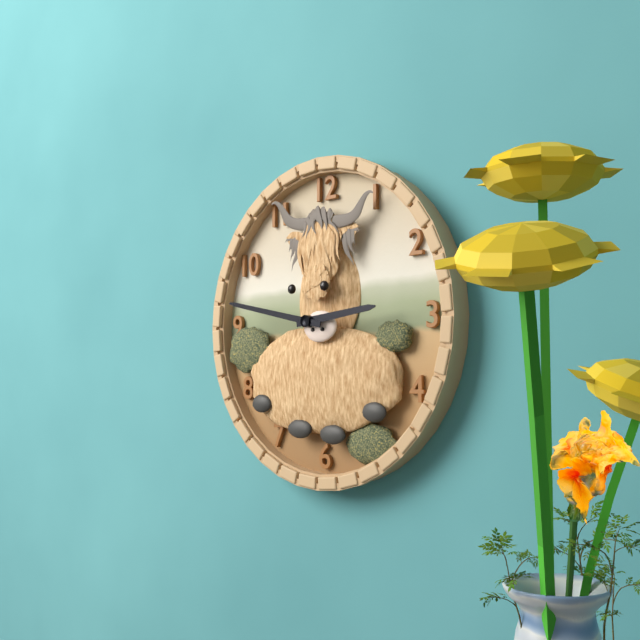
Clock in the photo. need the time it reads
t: 2:47
